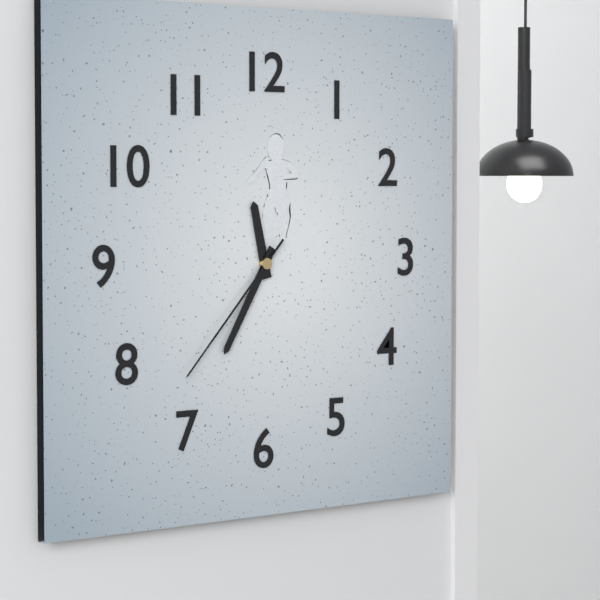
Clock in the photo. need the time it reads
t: 11:35:37
